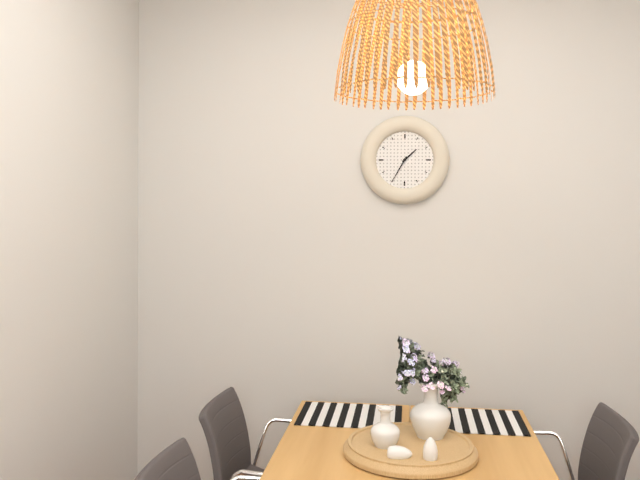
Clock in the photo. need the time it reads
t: 1:35
